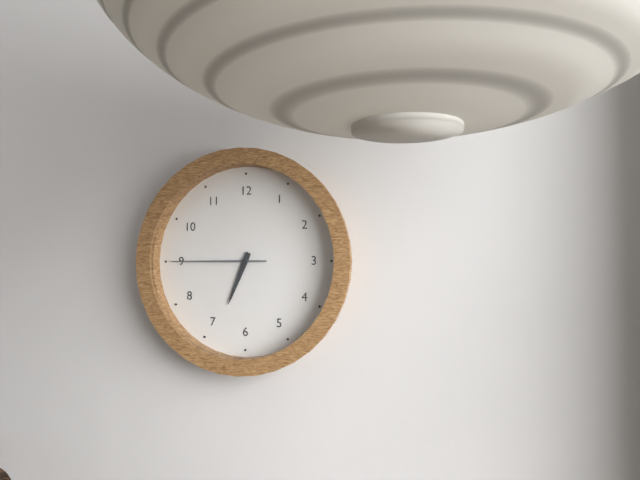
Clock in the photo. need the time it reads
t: 6:45
